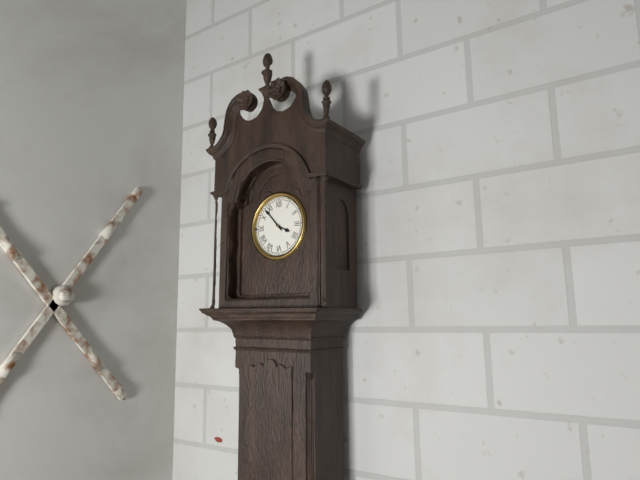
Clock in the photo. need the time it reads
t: 3:53
